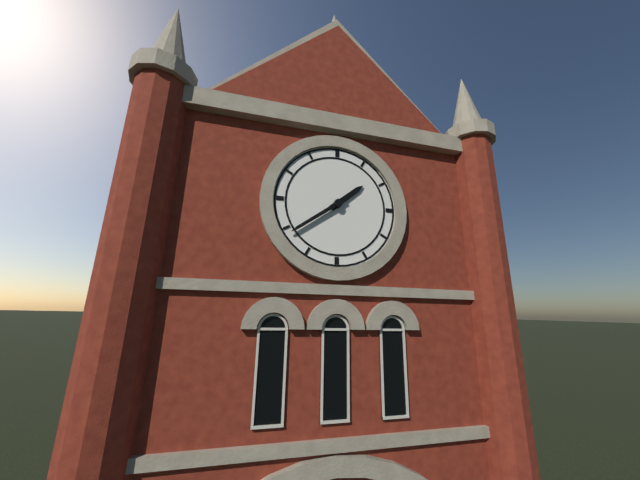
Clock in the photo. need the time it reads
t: 1:39
